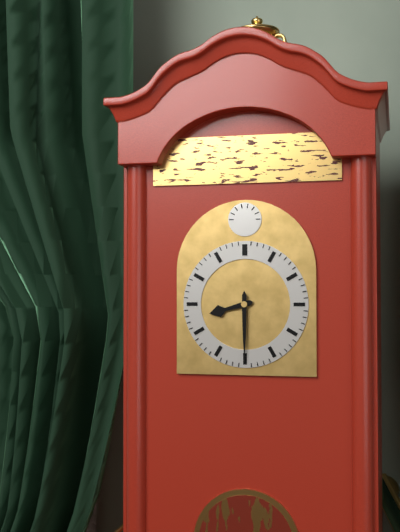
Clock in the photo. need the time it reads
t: 8:30
